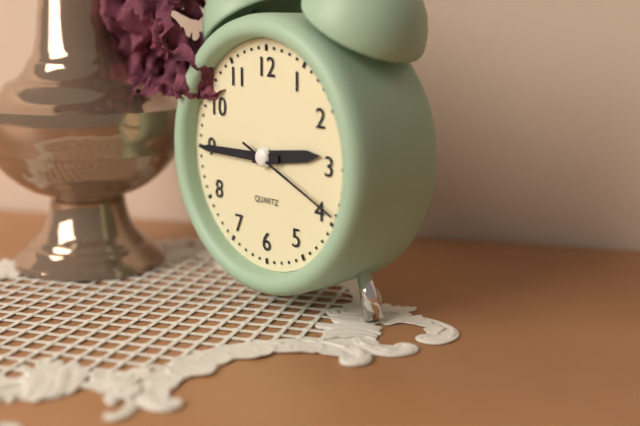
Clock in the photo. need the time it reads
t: 2:45:19
